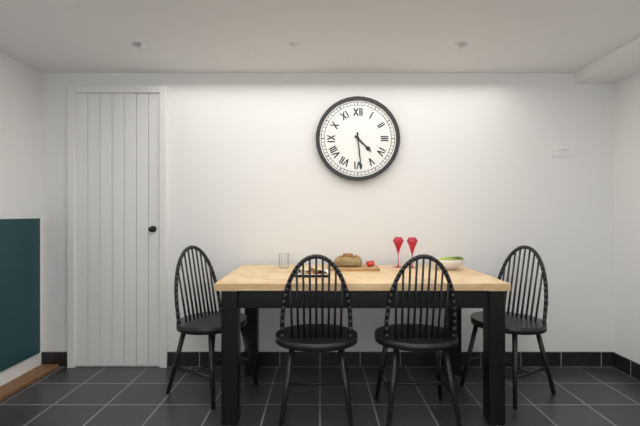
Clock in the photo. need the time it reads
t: 4:29
